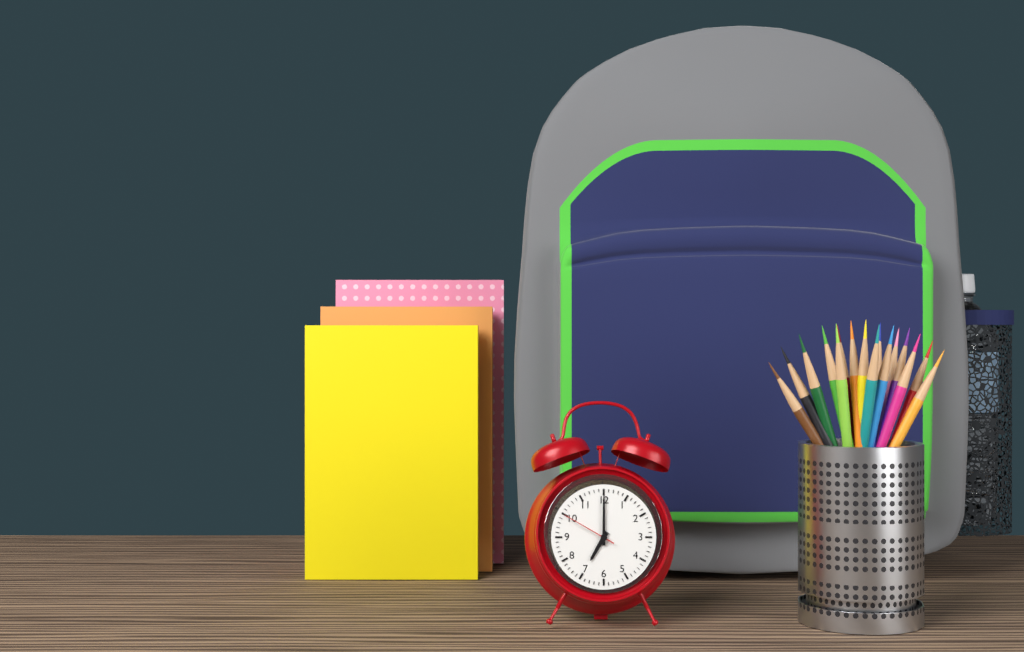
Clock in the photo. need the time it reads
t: 7:00:50
